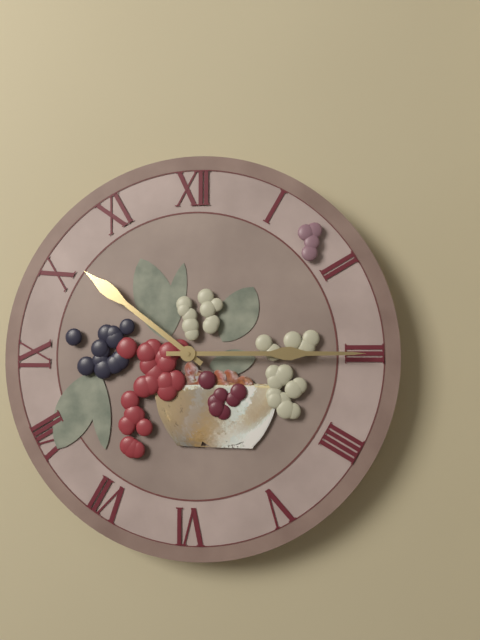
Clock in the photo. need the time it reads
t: 10:15
